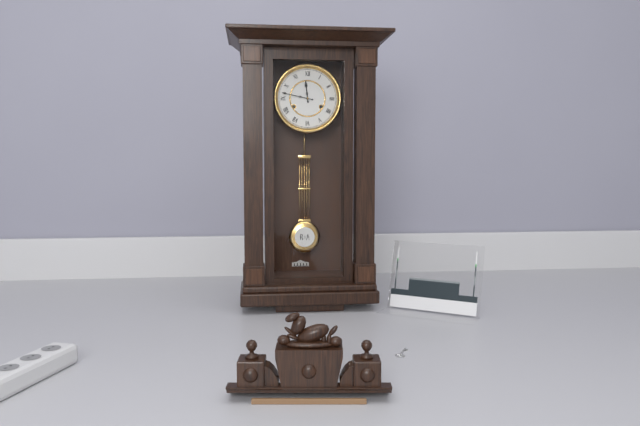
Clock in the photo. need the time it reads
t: 11:47
